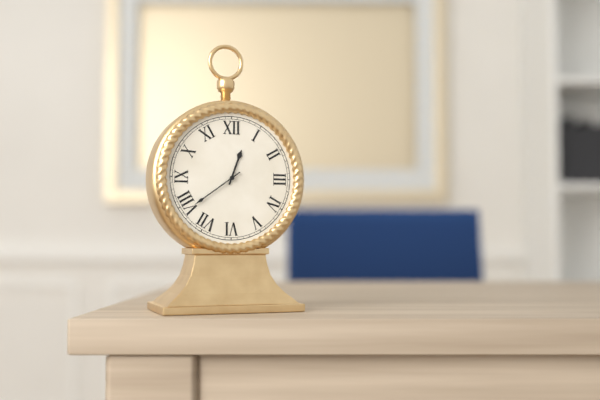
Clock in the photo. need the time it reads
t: 12:39
